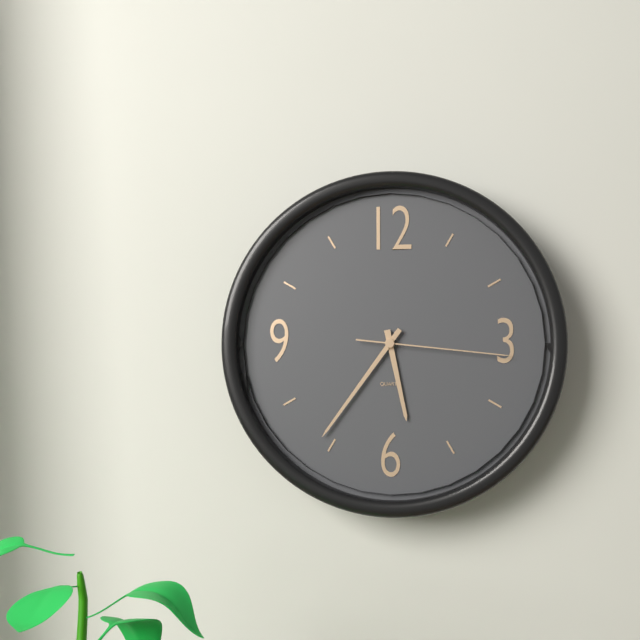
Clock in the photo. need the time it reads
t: 5:36:16
